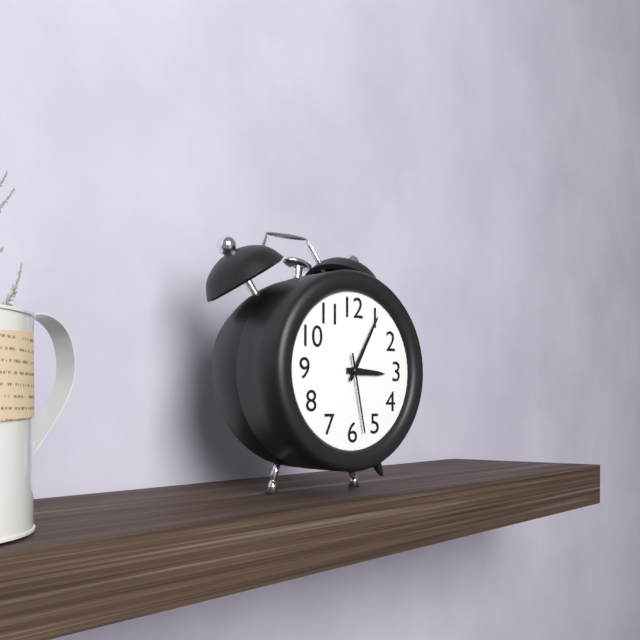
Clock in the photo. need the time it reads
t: 3:05:28
